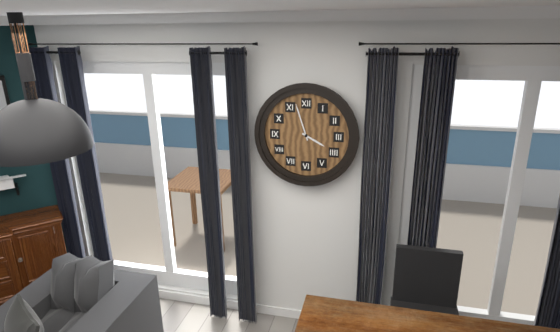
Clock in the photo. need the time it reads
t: 3:57
